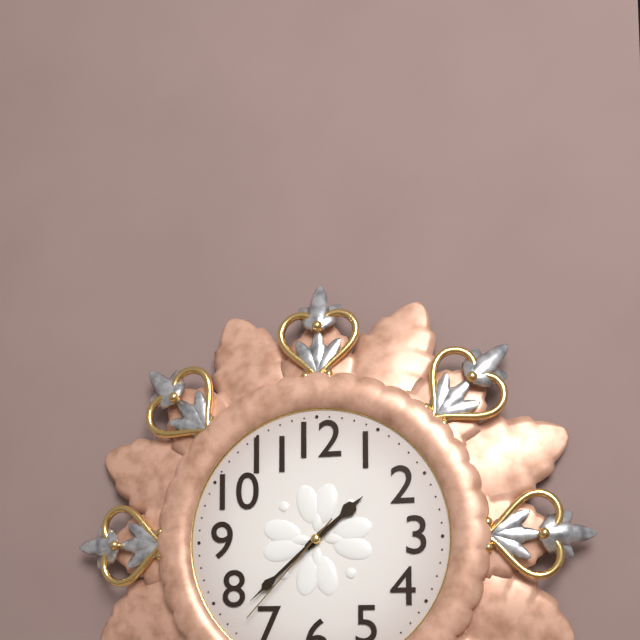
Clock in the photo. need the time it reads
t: 1:38:37
